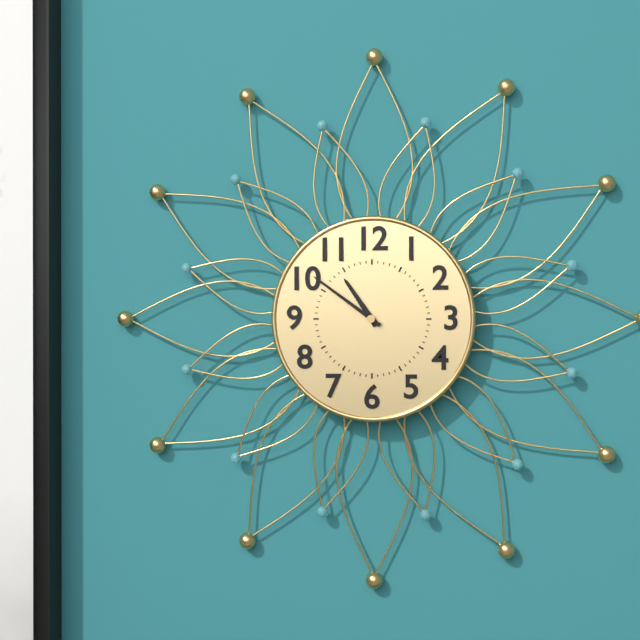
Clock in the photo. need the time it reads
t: 10:51
